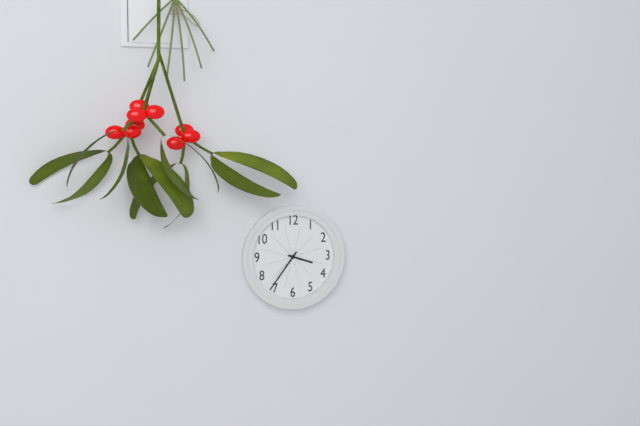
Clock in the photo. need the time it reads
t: 3:36
